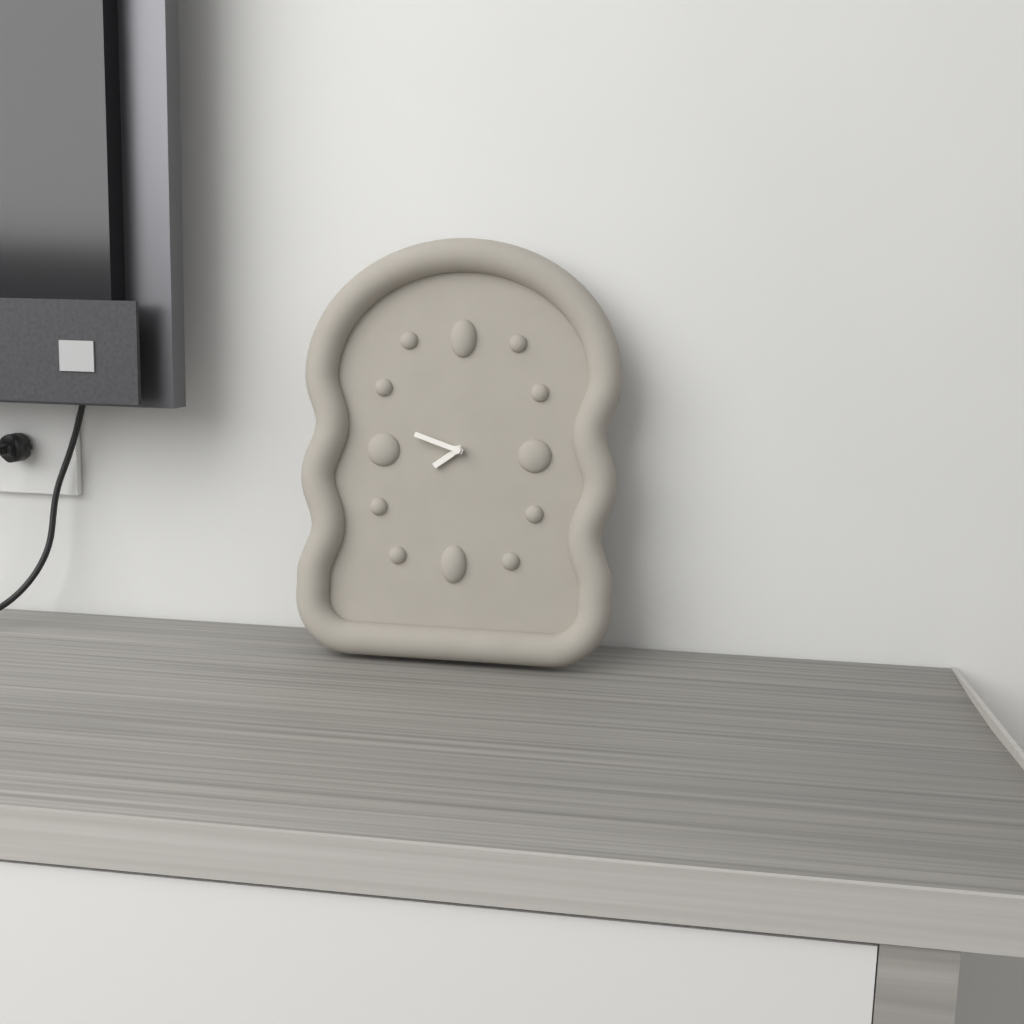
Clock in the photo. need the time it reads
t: 7:48
